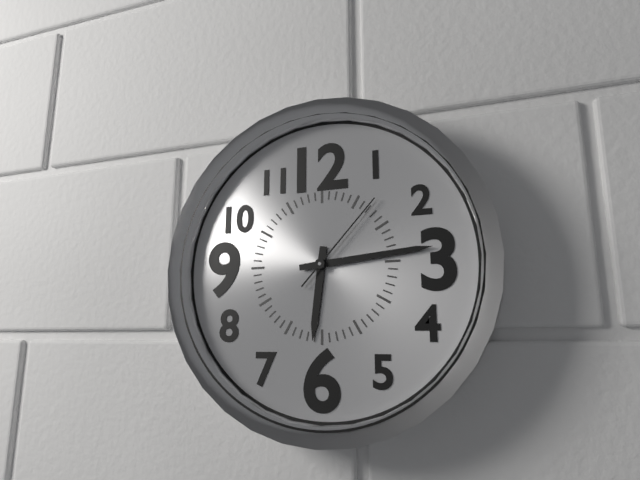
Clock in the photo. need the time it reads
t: 6:14:07
